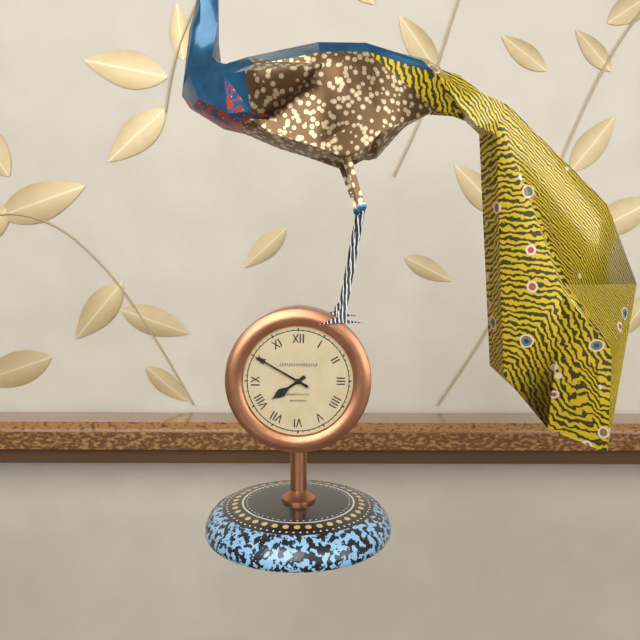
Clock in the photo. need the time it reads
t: 7:50
